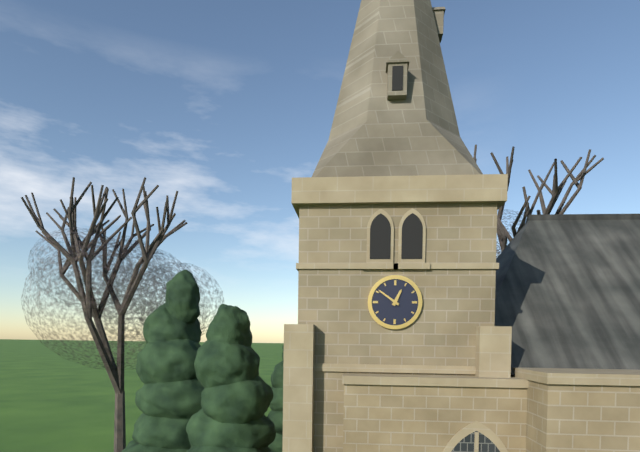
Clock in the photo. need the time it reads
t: 12:51
